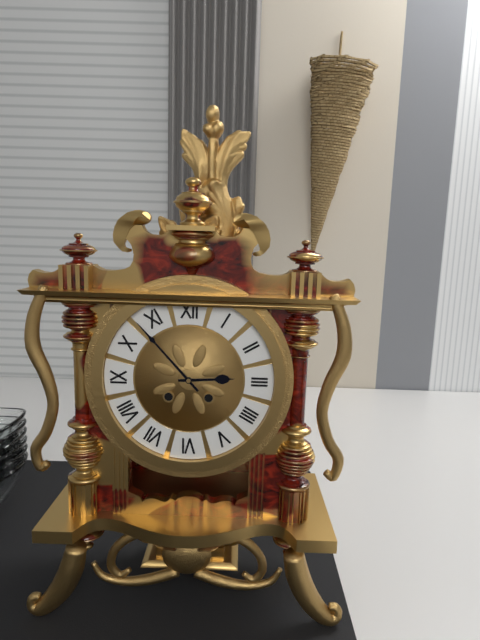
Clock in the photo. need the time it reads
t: 2:53
